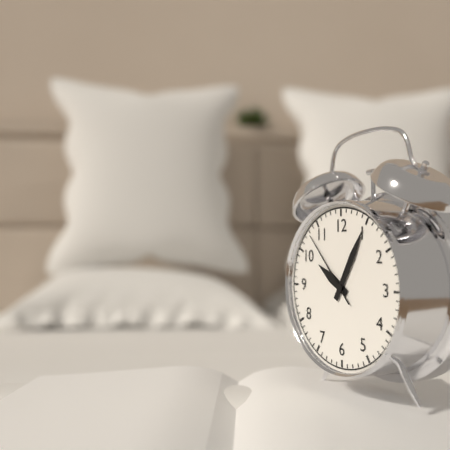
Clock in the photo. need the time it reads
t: 10:05:53
